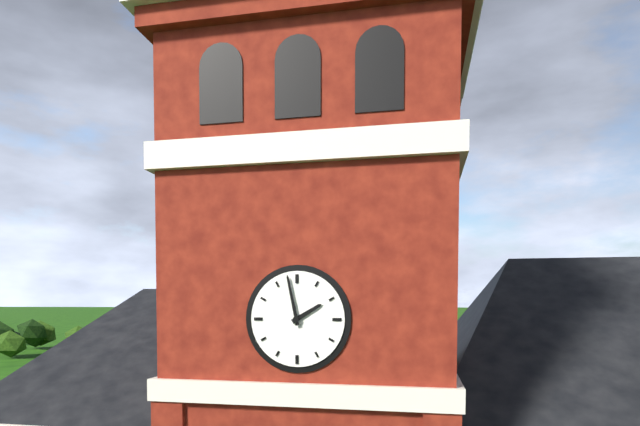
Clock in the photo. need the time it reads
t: 1:58
